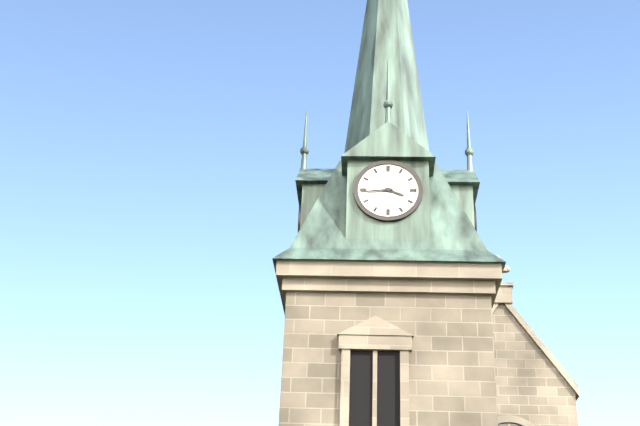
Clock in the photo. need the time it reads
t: 3:44
